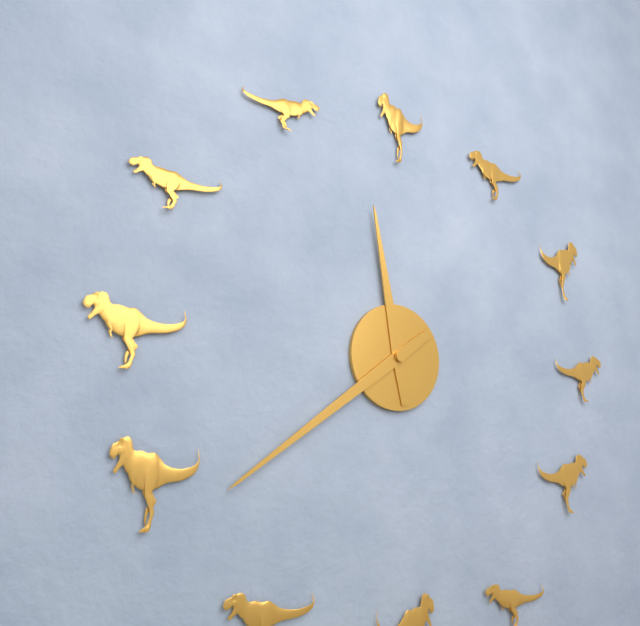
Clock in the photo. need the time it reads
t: 11:39
